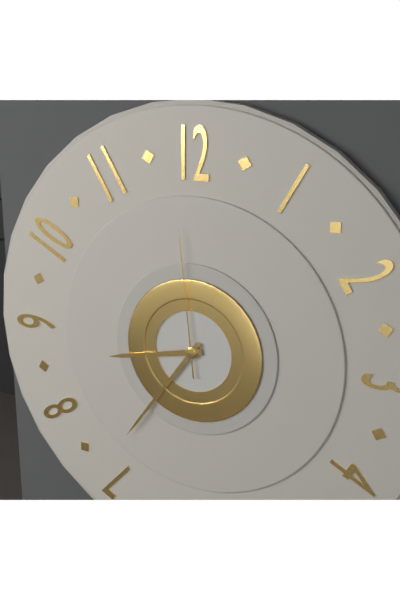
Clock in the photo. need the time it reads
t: 8:36:59
